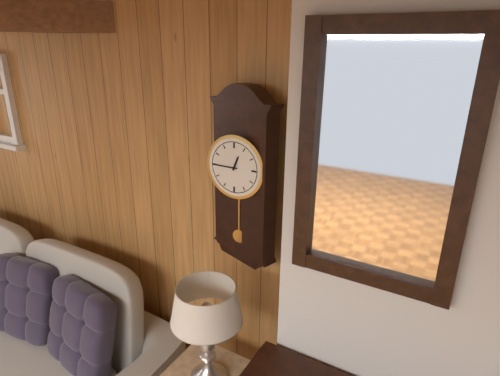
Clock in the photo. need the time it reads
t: 12:45
